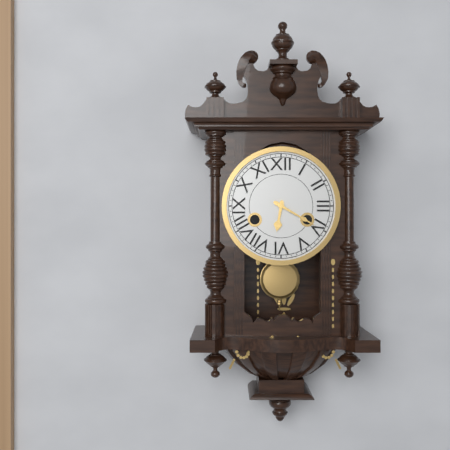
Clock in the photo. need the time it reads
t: 6:20
